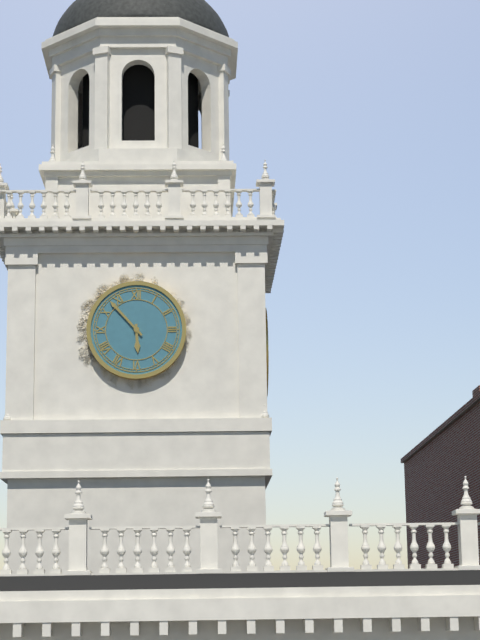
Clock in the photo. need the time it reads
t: 5:53
